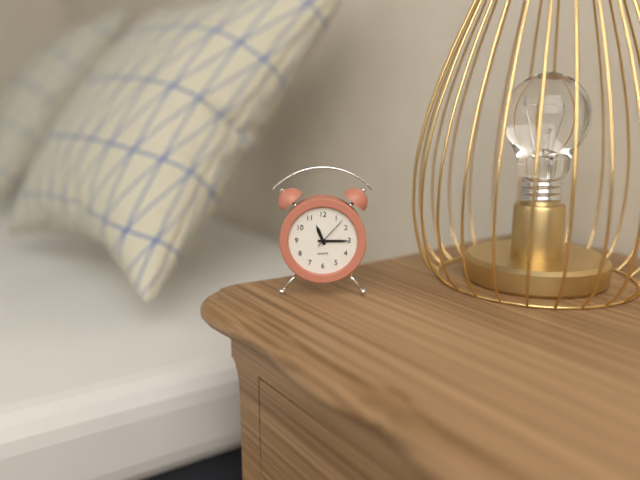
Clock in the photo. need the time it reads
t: 11:15
